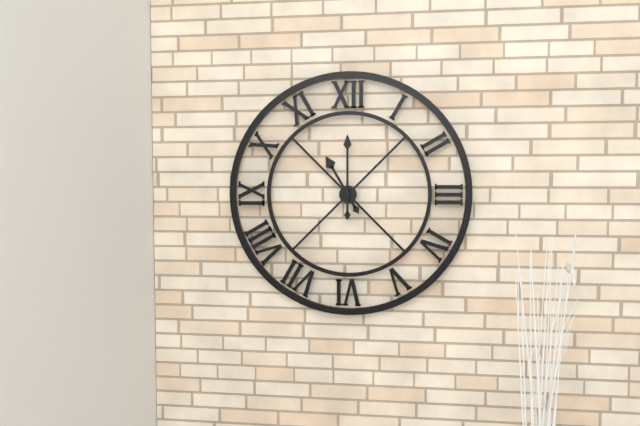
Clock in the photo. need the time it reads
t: 11:00
